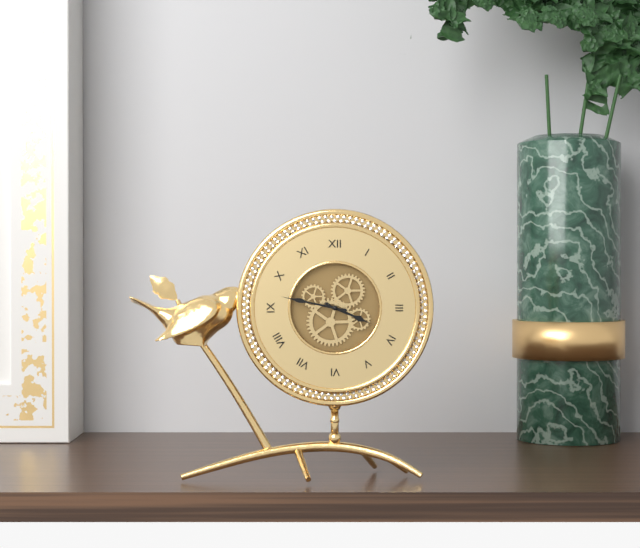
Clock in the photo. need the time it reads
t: 3:47
